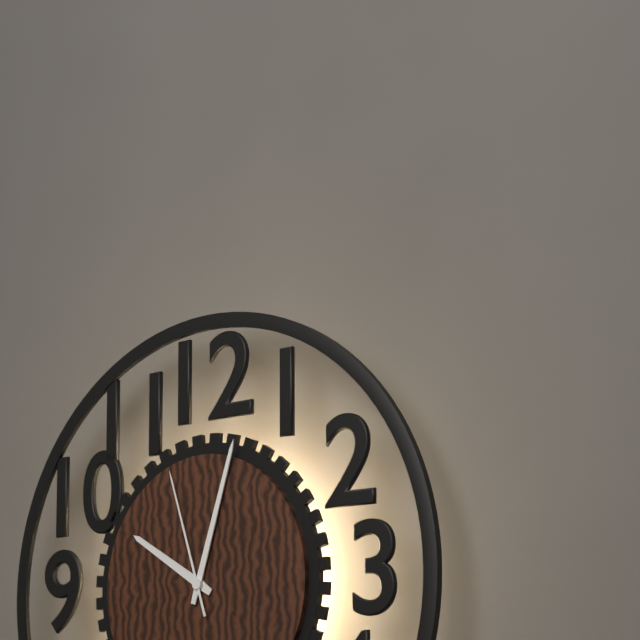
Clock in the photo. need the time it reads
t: 10:03:57
